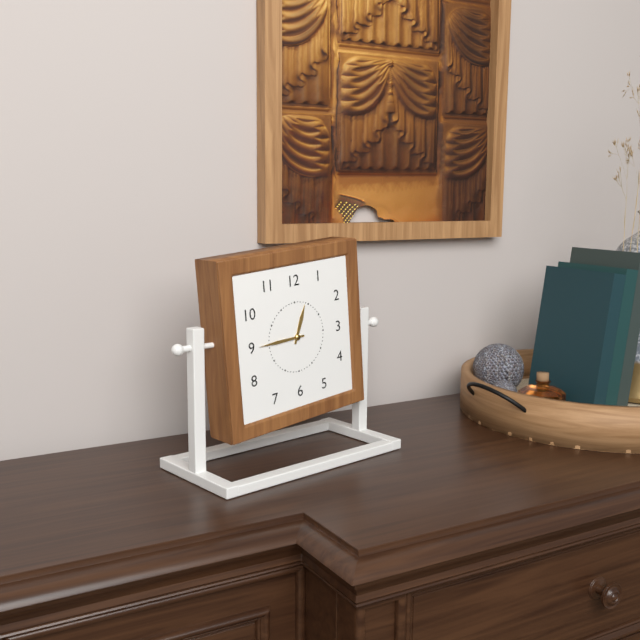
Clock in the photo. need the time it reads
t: 12:45
